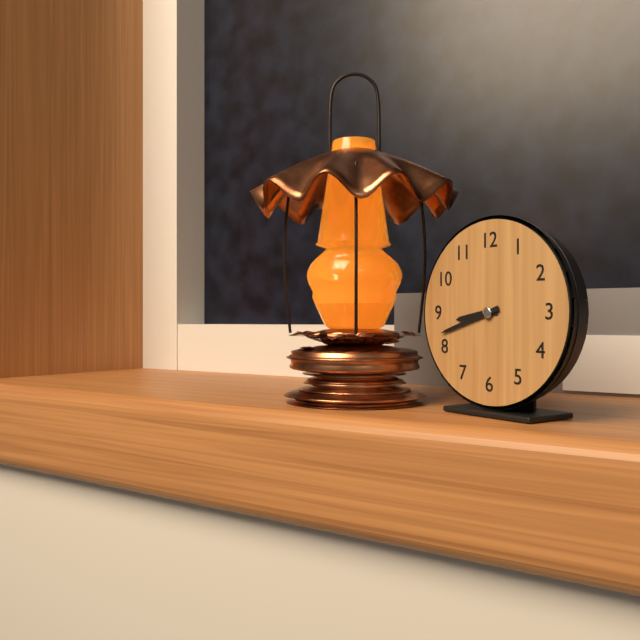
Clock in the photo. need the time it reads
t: 8:42
